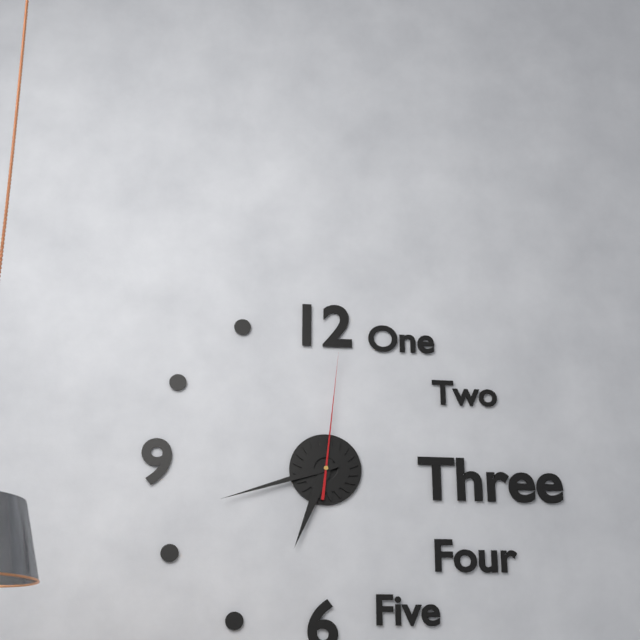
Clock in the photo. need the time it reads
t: 6:42:01
